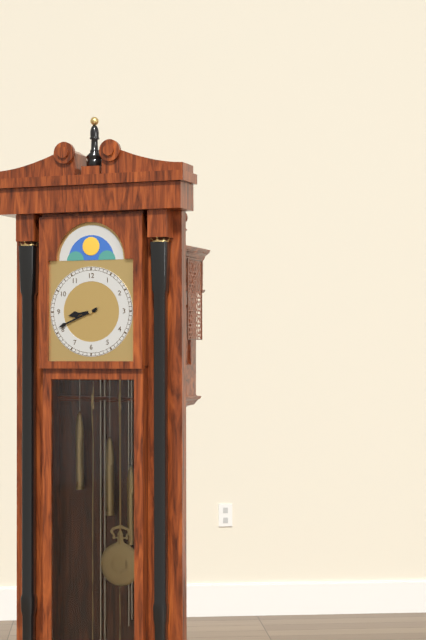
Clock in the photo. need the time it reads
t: 8:41
